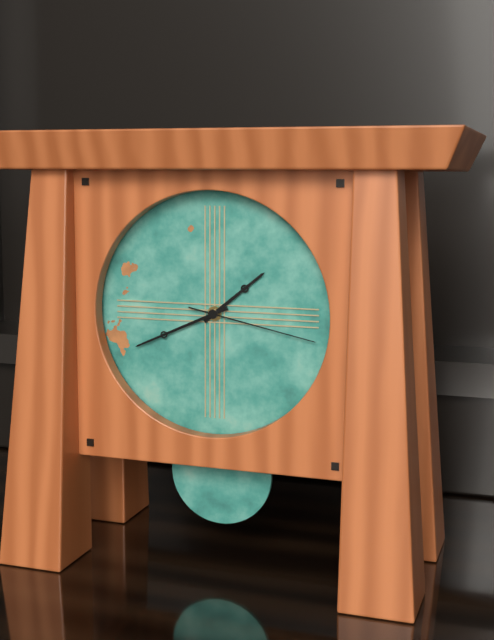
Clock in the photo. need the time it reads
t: 1:41:17
